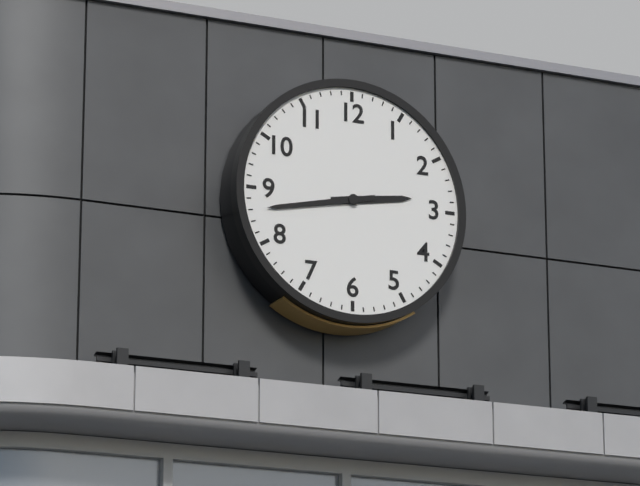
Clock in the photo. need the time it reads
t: 2:43
